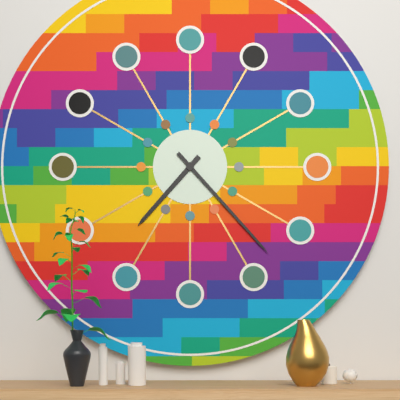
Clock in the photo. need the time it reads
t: 7:23
